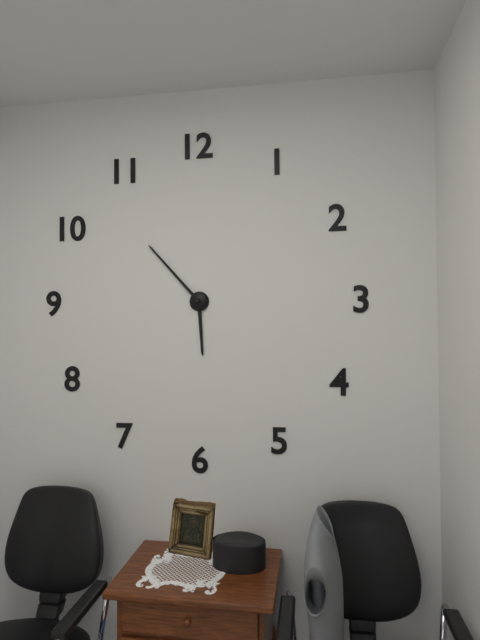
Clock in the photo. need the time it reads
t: 5:53
